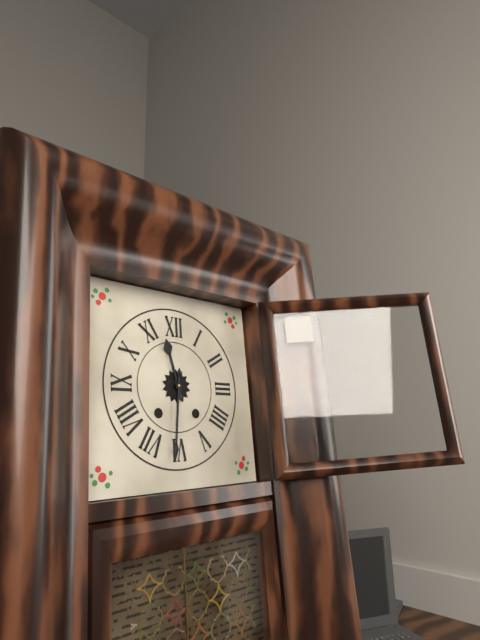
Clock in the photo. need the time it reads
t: 11:31
